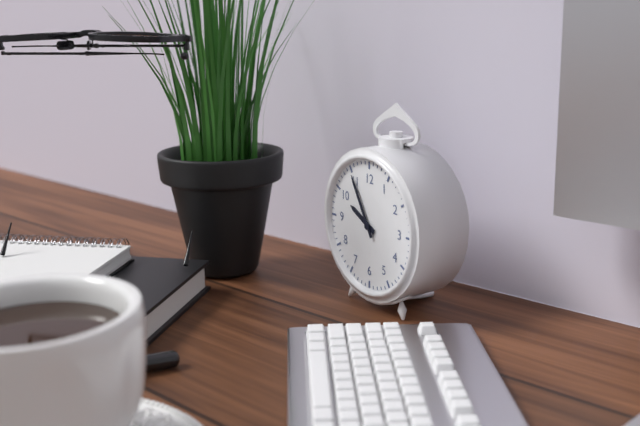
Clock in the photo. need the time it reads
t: 9:55
